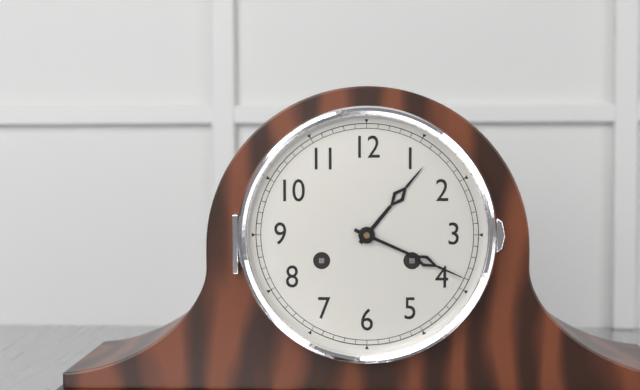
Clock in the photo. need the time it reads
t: 1:19
